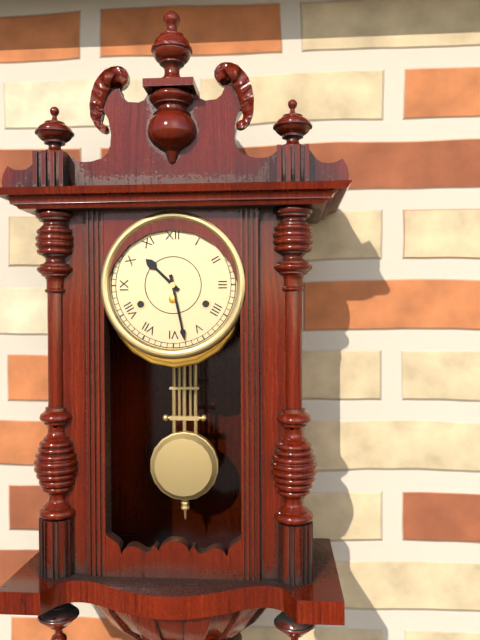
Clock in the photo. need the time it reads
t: 10:28
